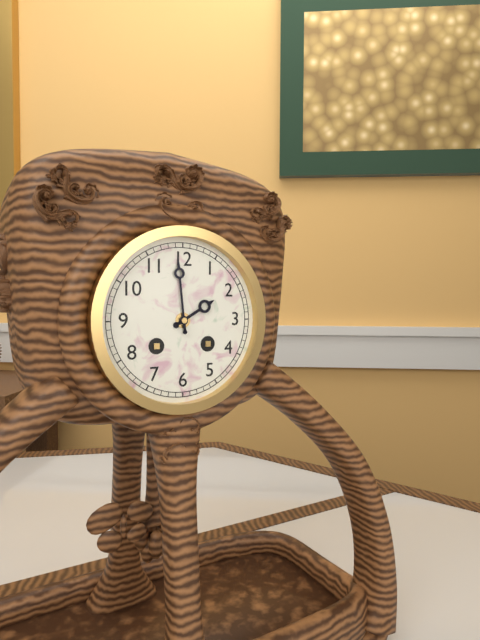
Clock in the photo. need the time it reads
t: 1:59
